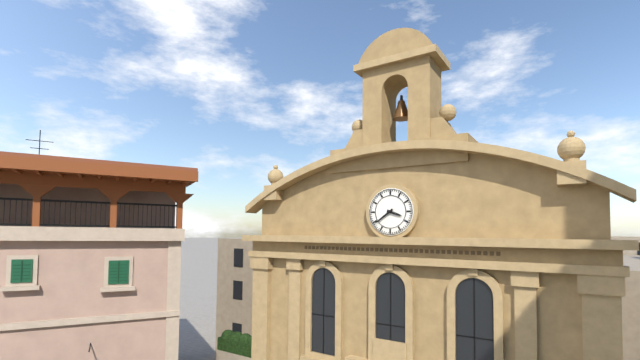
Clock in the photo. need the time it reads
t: 3:39
